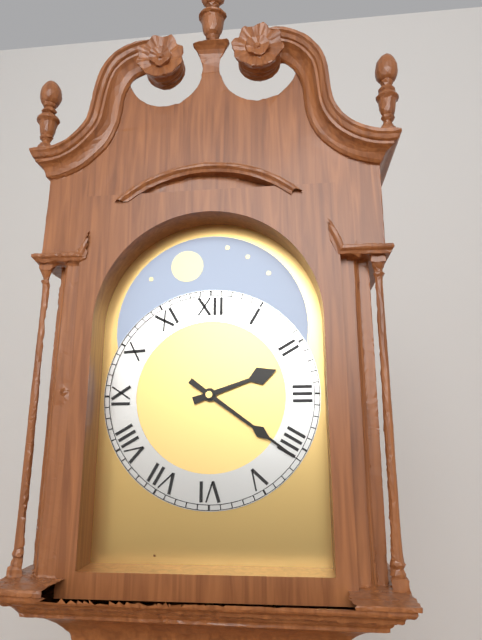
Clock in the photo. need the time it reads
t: 2:21
